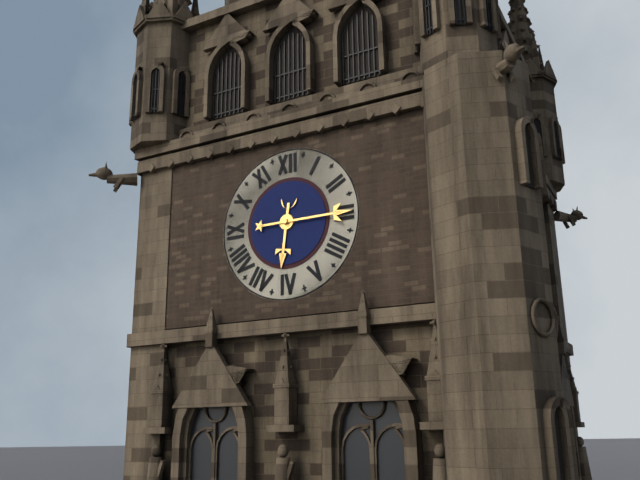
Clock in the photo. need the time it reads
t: 6:15
